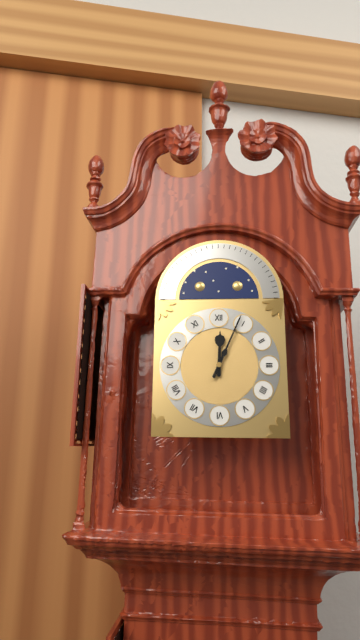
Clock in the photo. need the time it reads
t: 12:04
